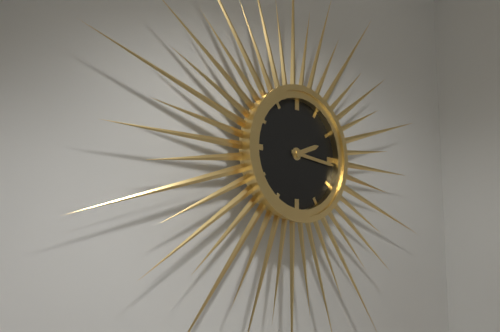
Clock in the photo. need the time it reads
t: 2:16
